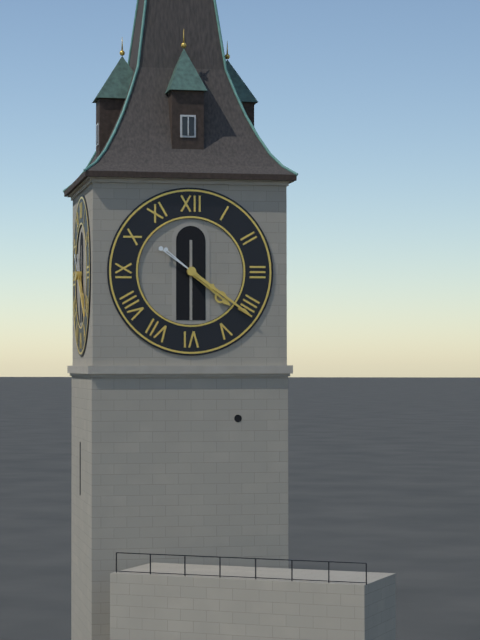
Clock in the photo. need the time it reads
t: 4:21
